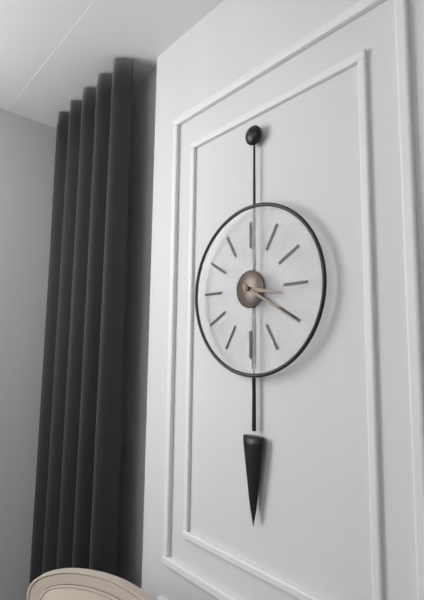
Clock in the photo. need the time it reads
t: 3:20
